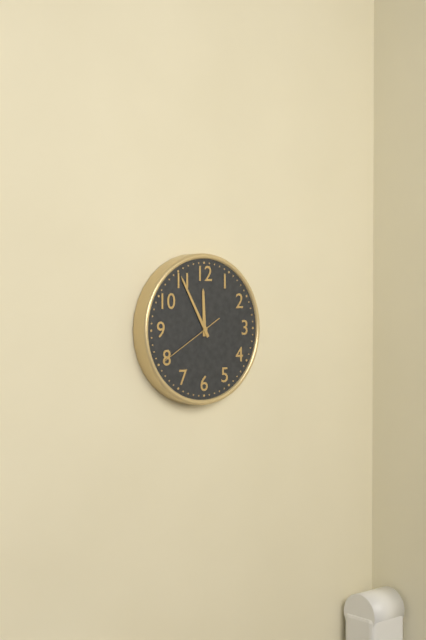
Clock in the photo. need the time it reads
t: 11:55:40
